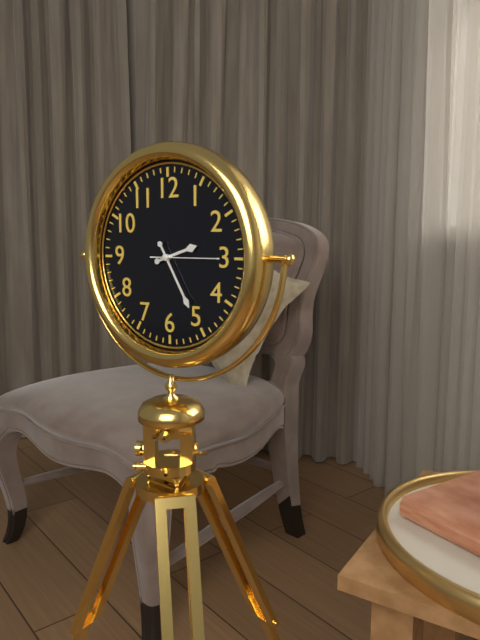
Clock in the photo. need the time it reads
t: 2:25:15
